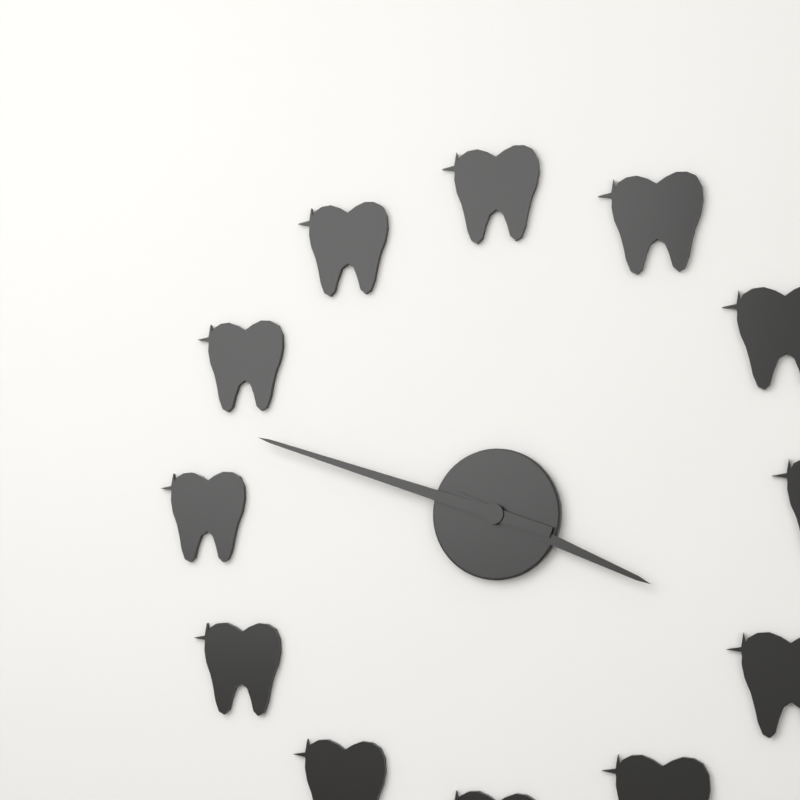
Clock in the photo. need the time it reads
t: 3:48
